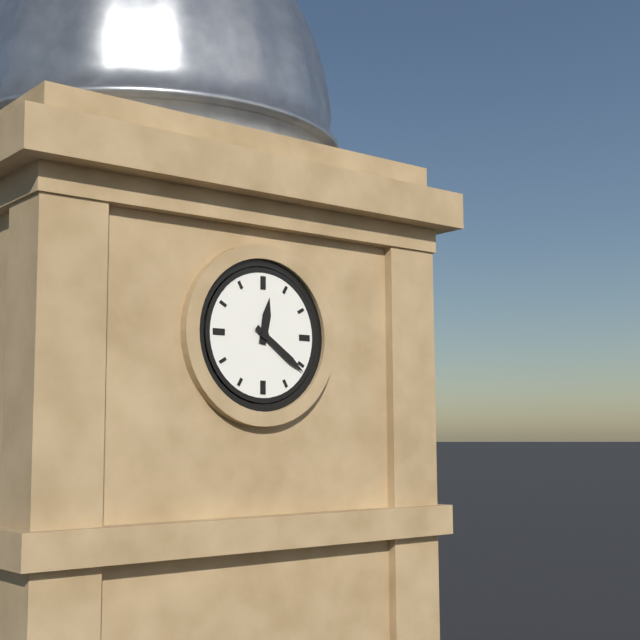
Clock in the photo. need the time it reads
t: 12:21
